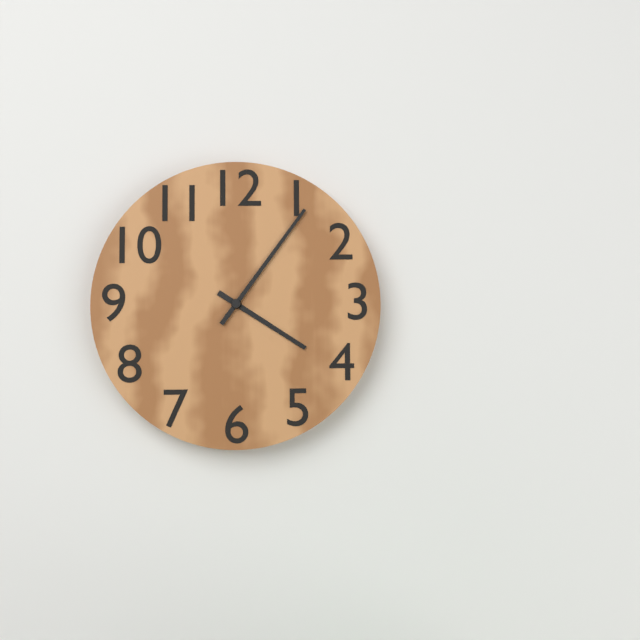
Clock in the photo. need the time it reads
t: 4:06
